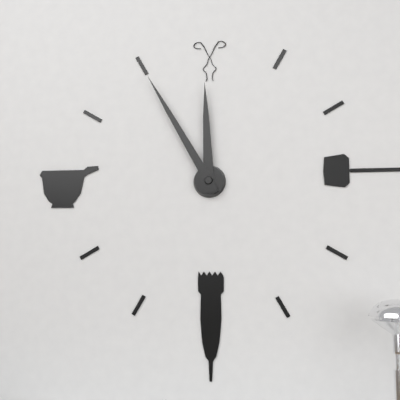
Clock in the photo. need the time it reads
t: 11:55
